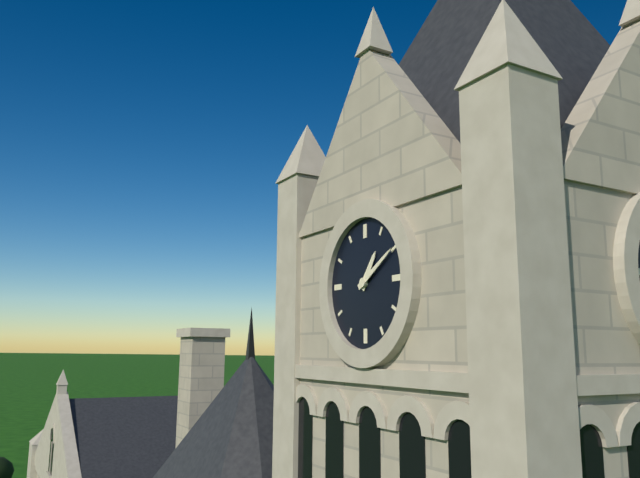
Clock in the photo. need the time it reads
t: 1:10
